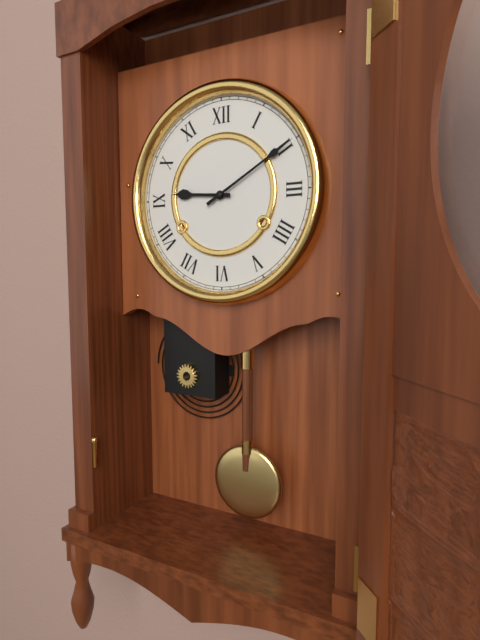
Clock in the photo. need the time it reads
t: 9:10
